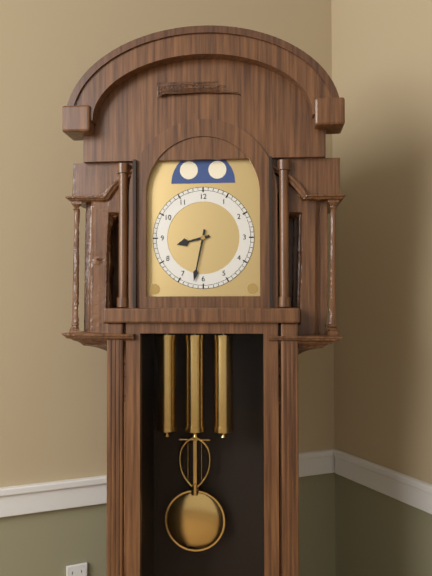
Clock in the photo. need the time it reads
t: 8:32
